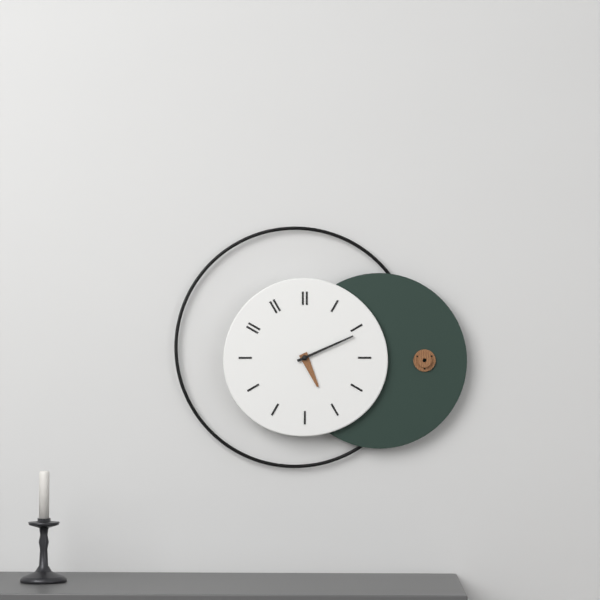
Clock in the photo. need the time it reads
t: 5:11
